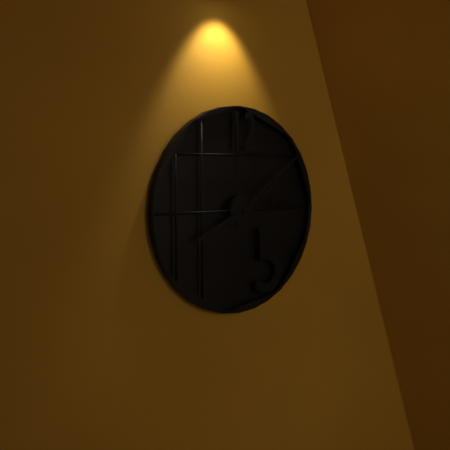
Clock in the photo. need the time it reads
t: 8:09
